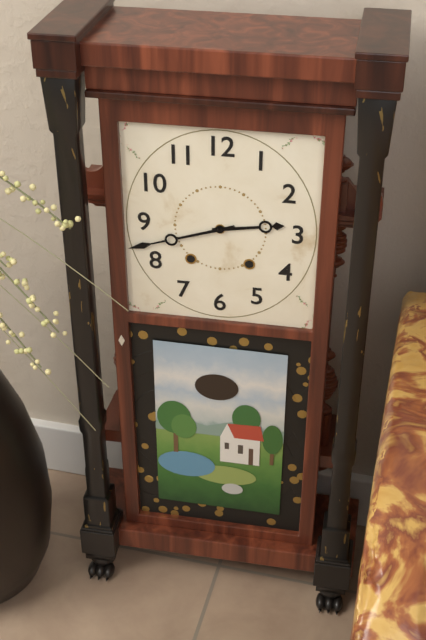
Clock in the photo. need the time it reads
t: 2:42
